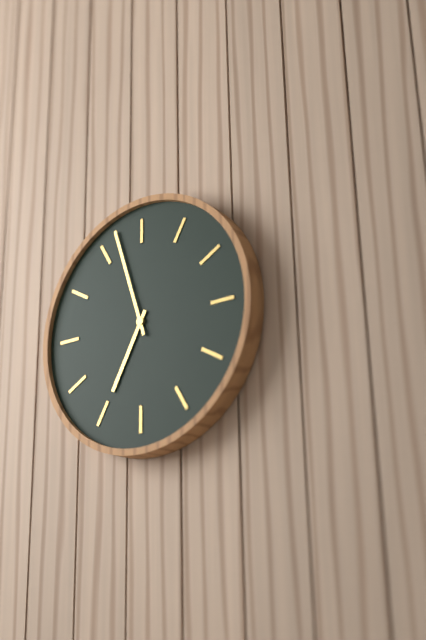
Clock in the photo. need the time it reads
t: 6:57
